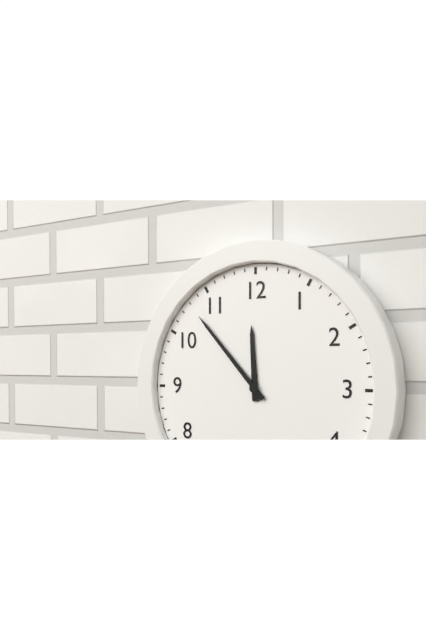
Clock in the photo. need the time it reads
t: 11:53
